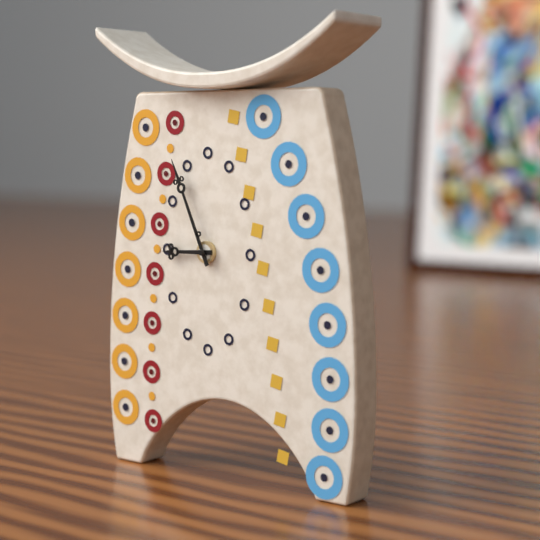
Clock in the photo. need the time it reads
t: 8:56
